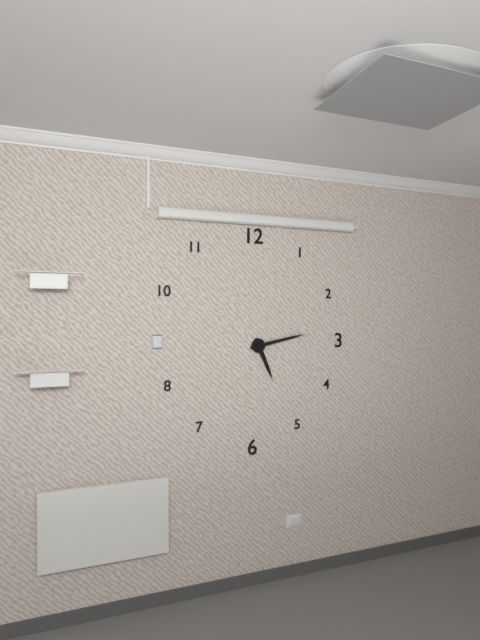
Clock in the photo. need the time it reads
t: 5:13
